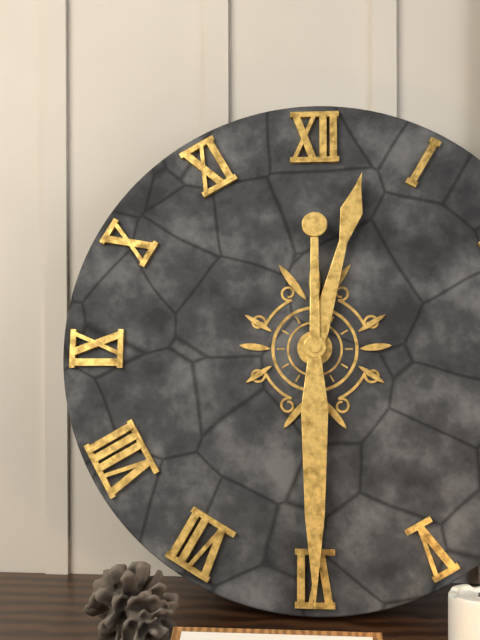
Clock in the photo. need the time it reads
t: 12:30
